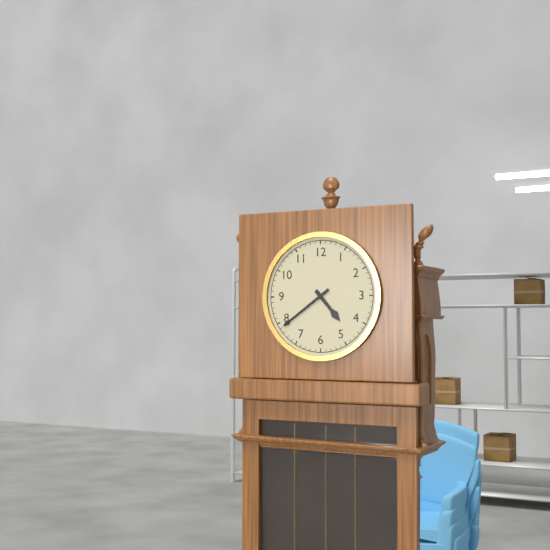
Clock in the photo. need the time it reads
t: 4:39
